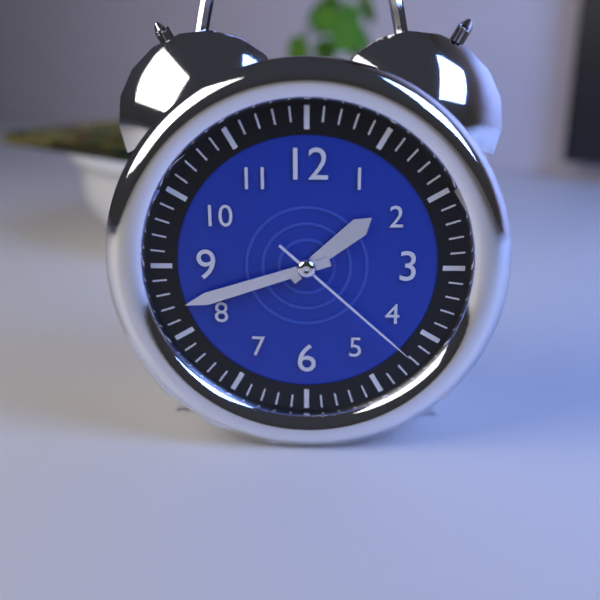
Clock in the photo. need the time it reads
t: 1:42:22
